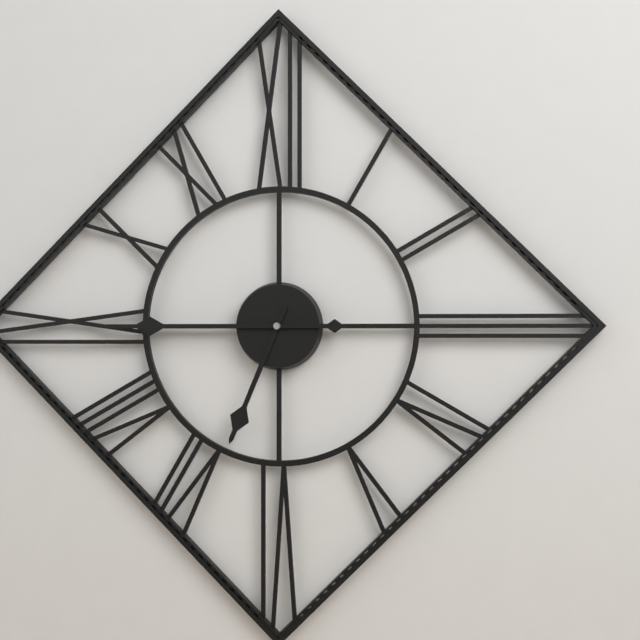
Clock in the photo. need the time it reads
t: 6:45
